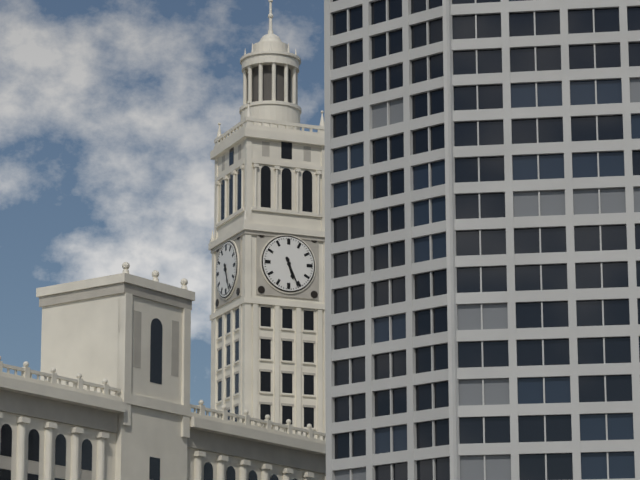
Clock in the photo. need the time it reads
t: 5:26
